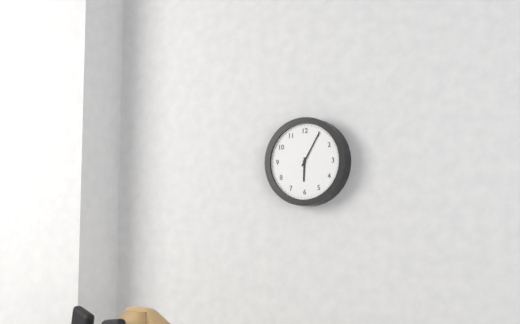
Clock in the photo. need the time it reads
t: 6:05
